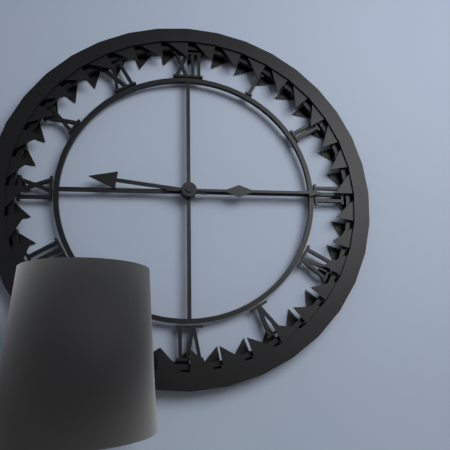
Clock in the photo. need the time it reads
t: 9:15
